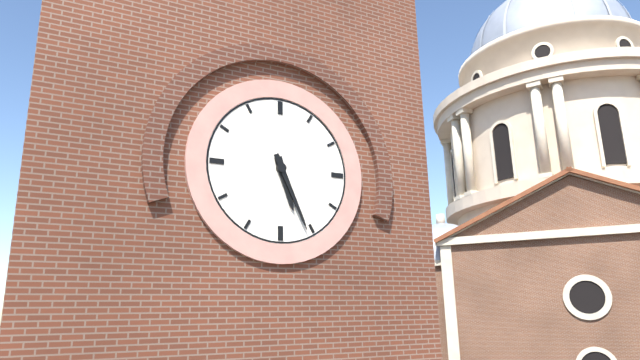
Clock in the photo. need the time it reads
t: 5:26
